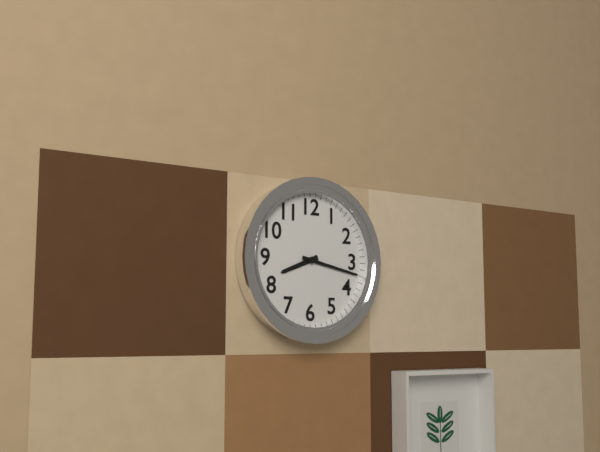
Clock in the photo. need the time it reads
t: 8:17
